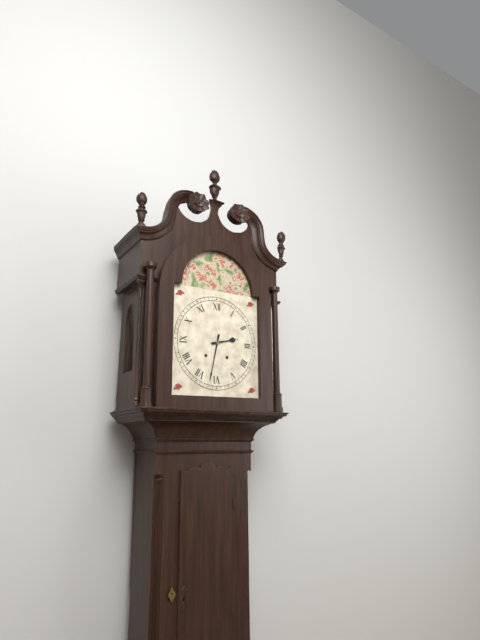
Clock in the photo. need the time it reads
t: 2:32
